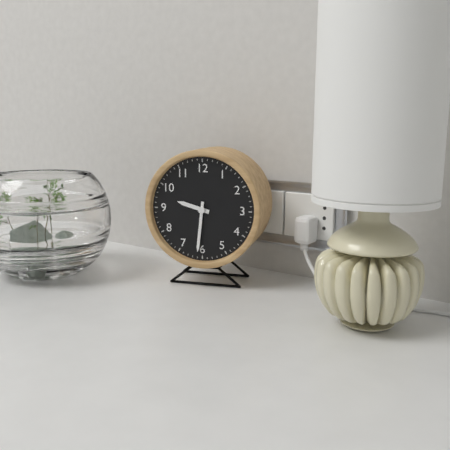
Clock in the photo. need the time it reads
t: 9:31
